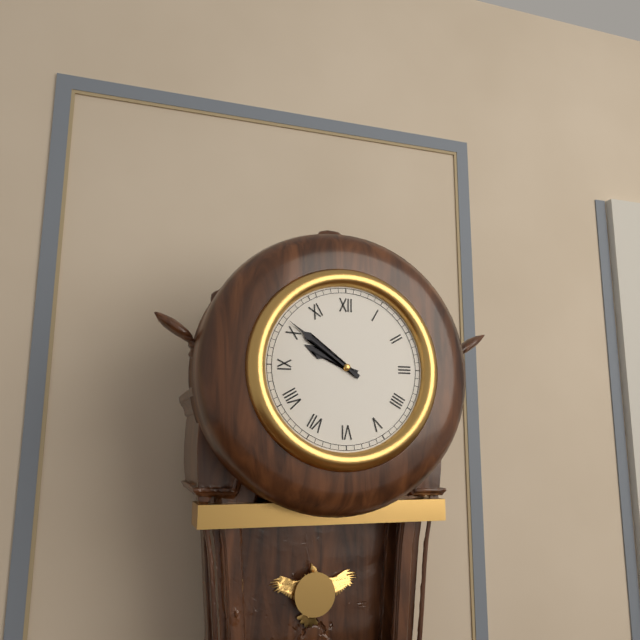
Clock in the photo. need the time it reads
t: 9:51
